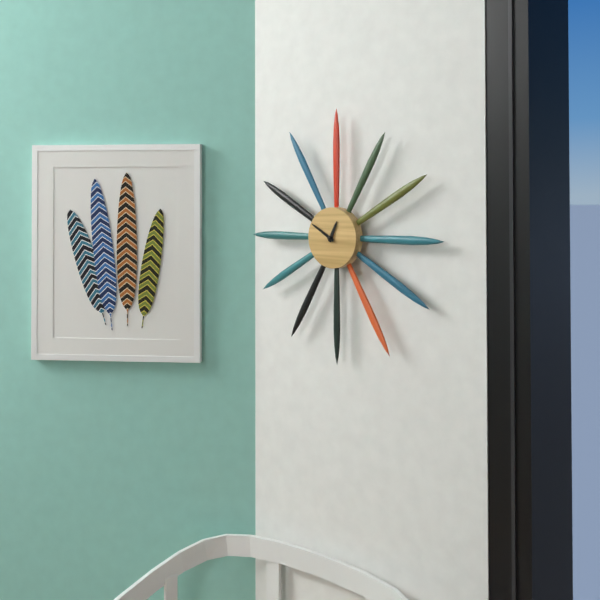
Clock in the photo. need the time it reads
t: 12:50
